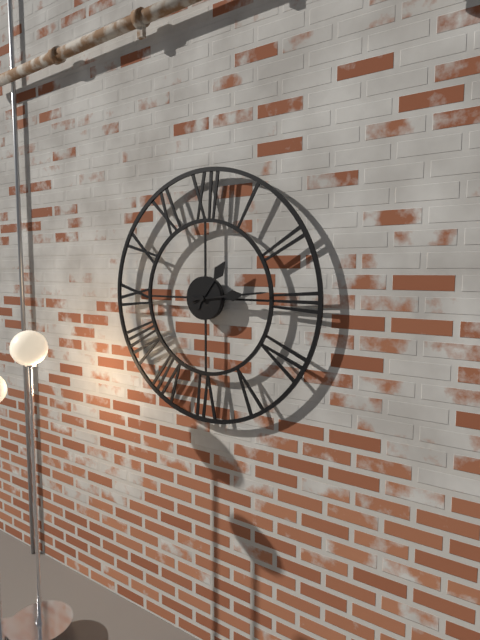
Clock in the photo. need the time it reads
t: 1:14
